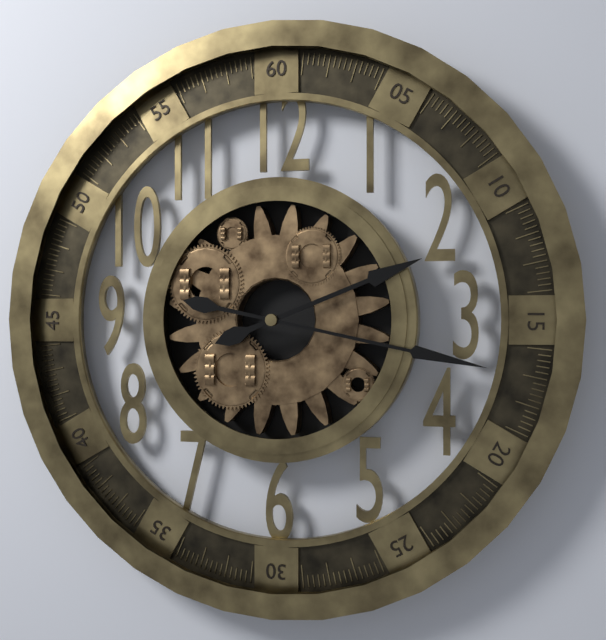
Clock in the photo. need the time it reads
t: 2:17
